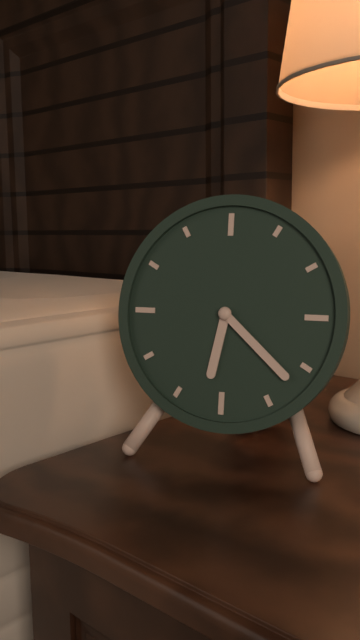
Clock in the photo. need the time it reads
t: 6:22
